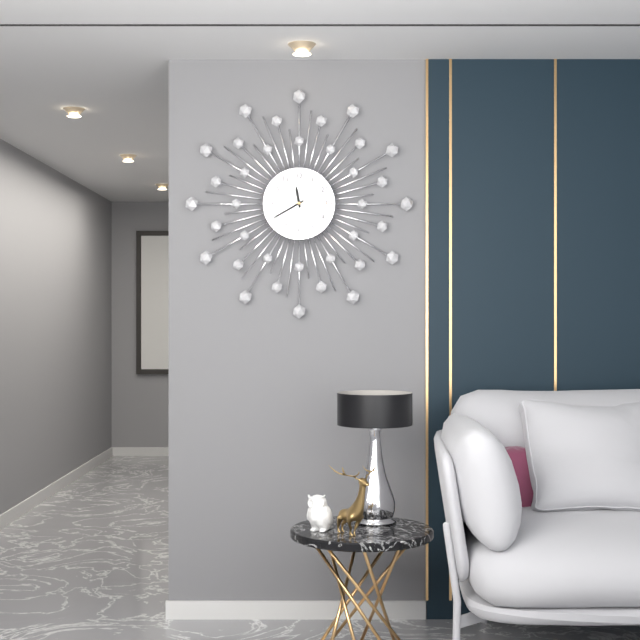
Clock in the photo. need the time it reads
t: 11:40
